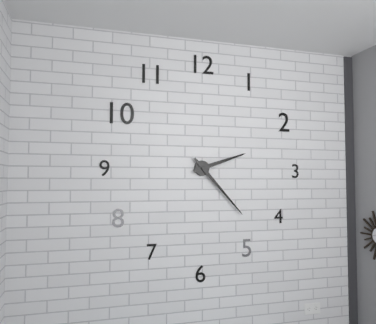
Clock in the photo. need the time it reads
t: 2:23
